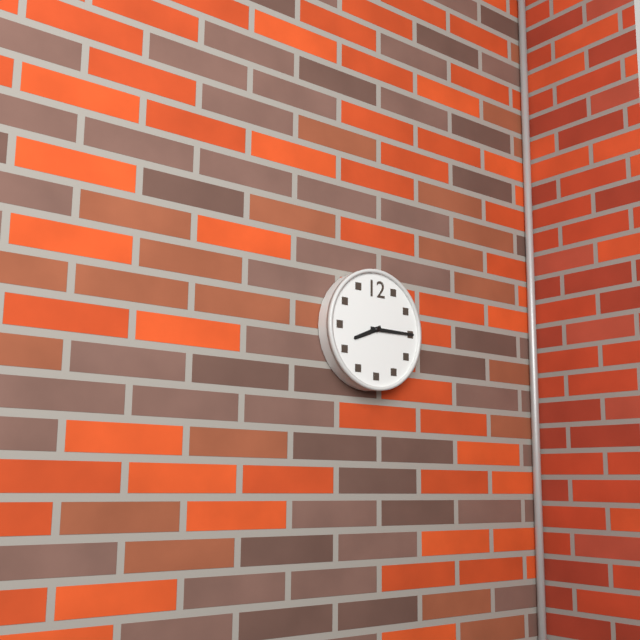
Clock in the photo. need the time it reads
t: 8:15
